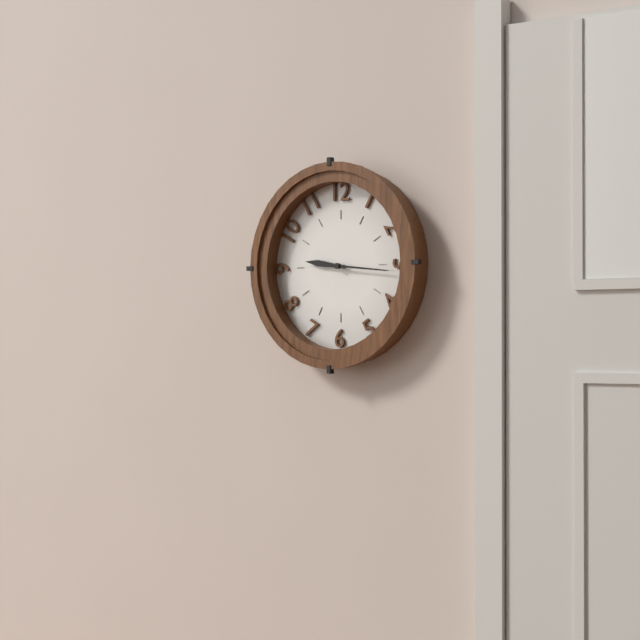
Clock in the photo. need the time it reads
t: 9:16
